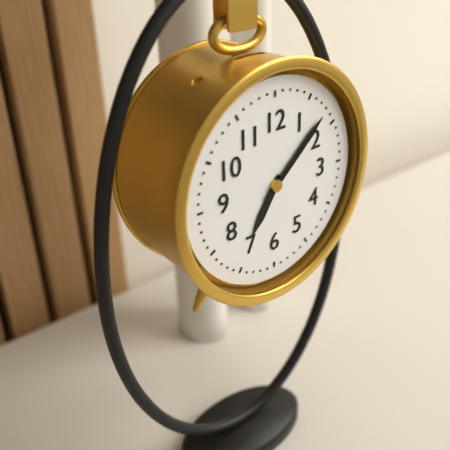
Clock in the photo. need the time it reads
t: 7:08
